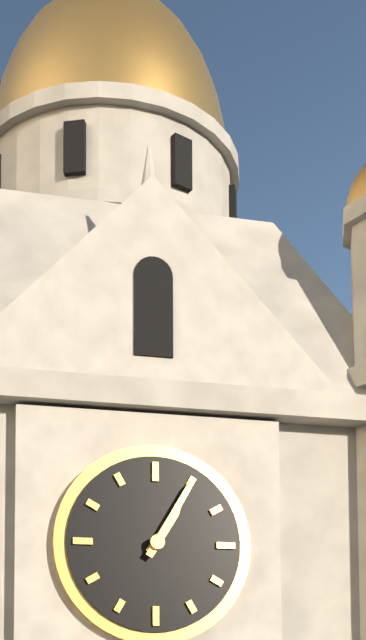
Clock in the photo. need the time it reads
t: 1:05
